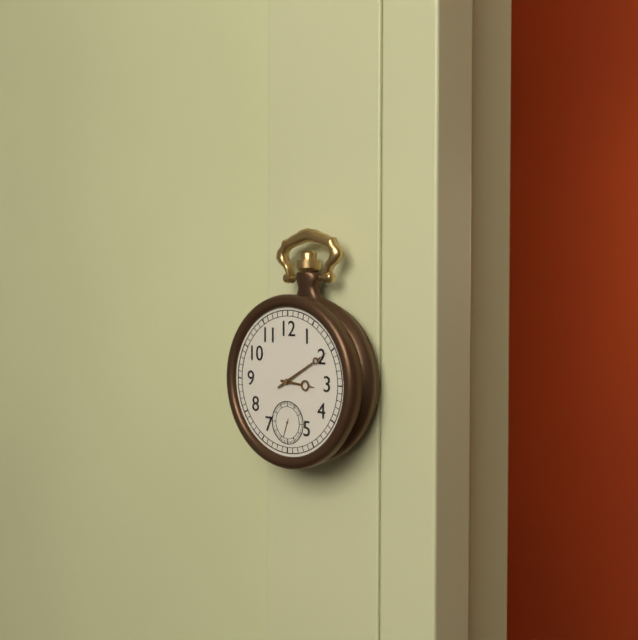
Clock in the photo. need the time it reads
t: 3:10
